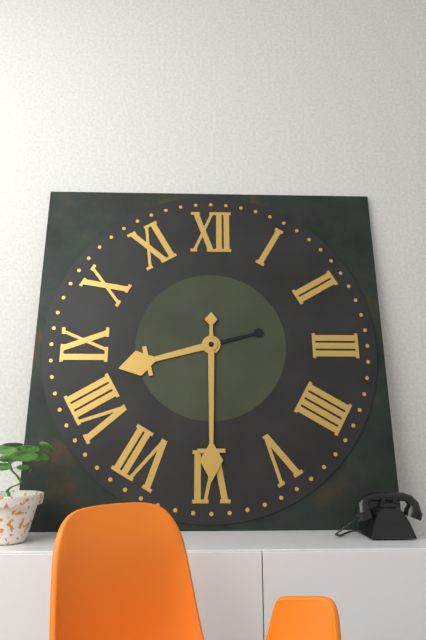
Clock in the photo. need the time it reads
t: 8:30
